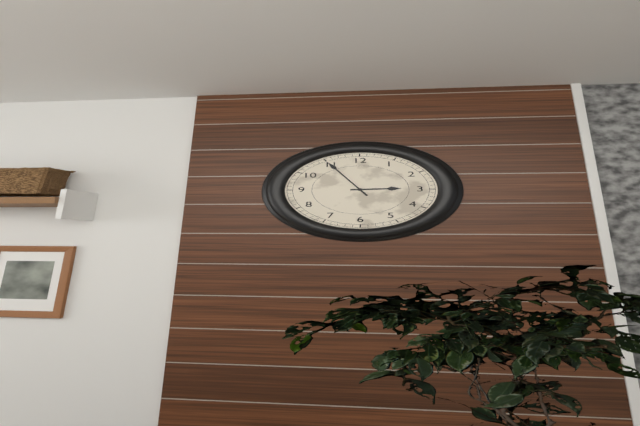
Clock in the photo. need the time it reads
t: 2:55
